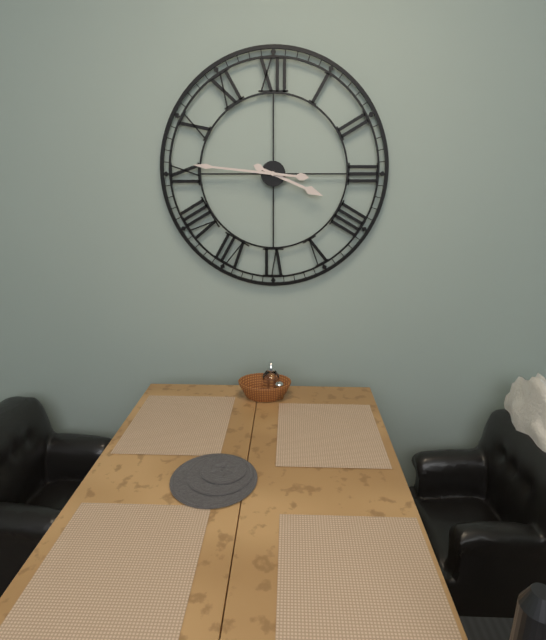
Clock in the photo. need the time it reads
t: 3:46
